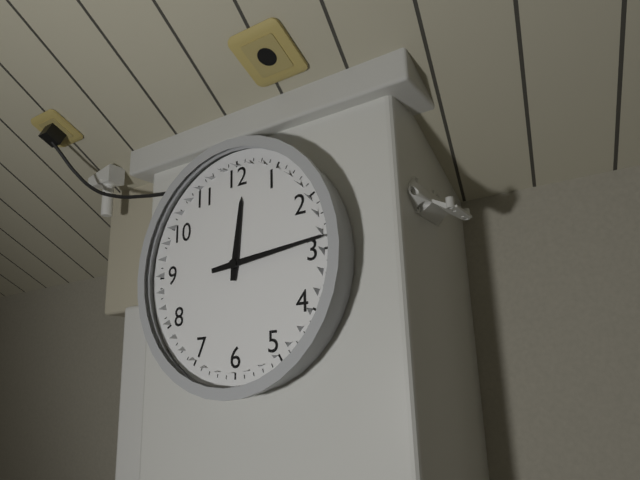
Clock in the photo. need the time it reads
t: 12:14
